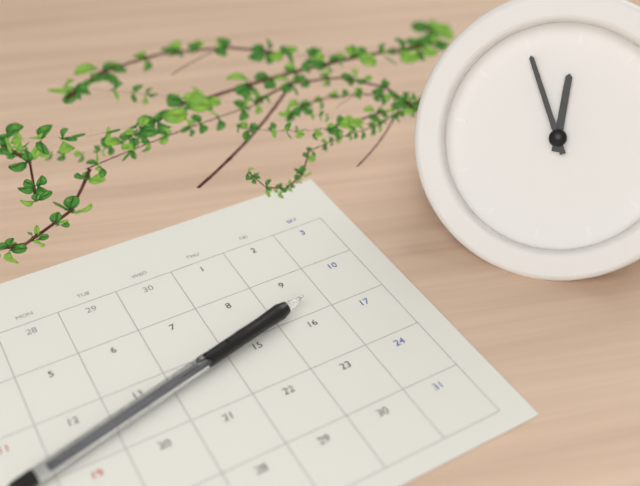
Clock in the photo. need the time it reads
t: 11:55
